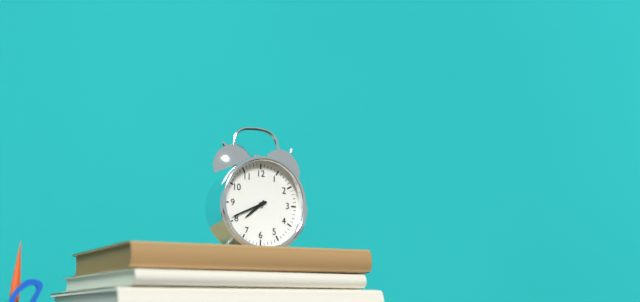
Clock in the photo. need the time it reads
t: 7:41
